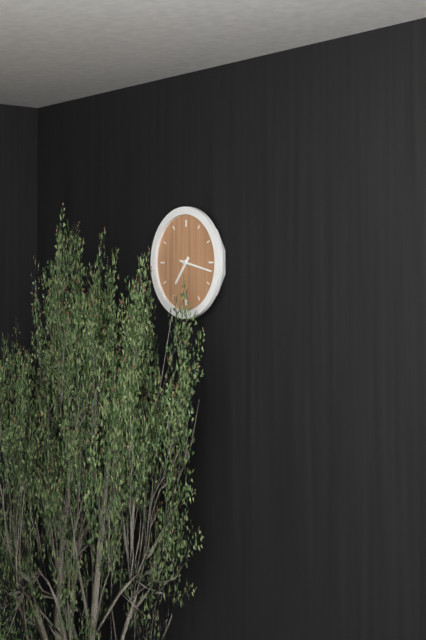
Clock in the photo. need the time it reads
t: 7:17
